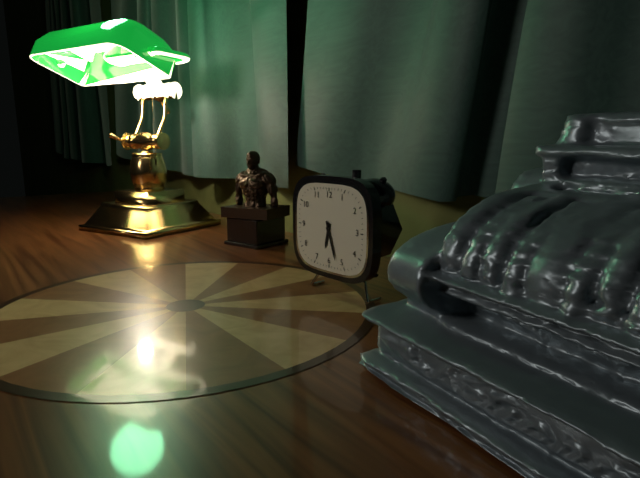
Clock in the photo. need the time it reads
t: 6:27
